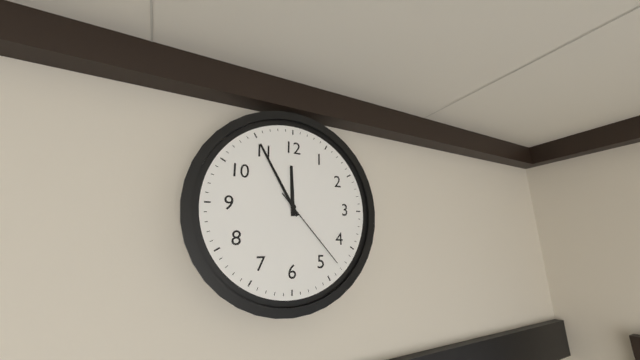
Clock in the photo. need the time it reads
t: 11:55:23
